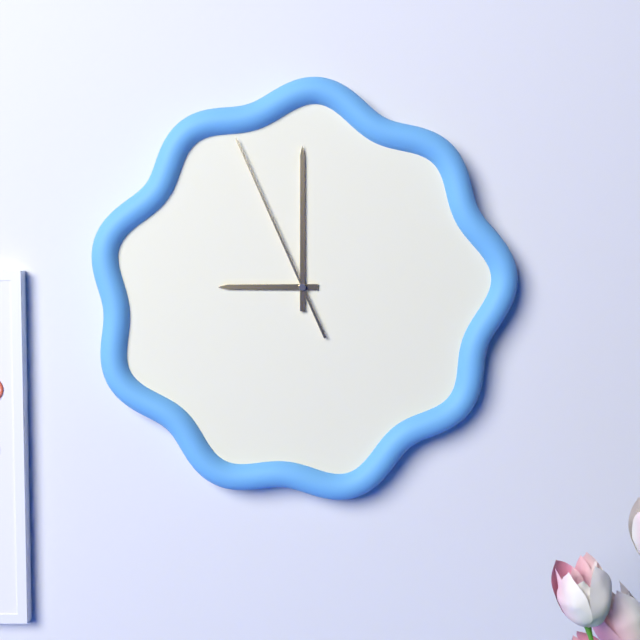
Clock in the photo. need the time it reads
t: 9:00:56
